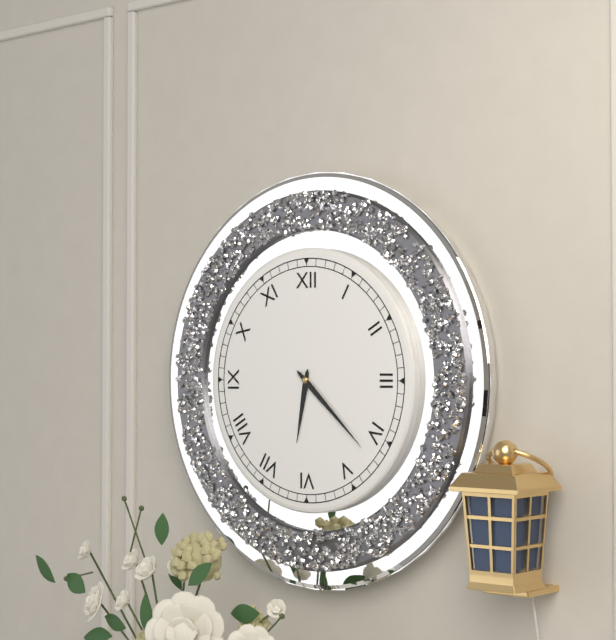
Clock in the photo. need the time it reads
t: 6:22
